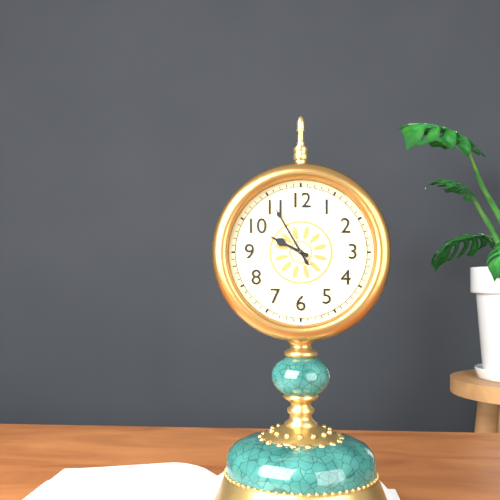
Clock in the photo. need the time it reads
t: 9:55
